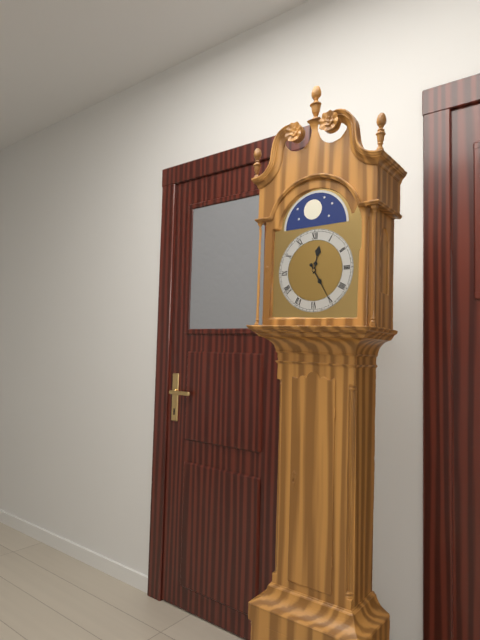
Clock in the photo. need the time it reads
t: 12:25
